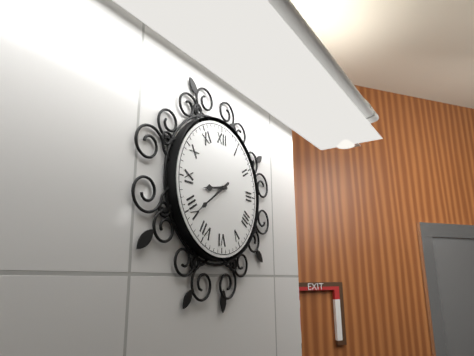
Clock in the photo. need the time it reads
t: 8:39
